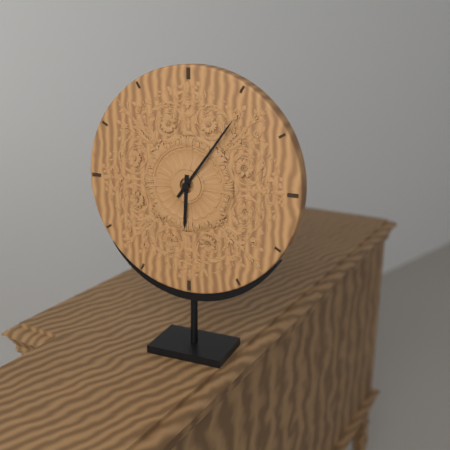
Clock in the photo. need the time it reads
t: 6:06
